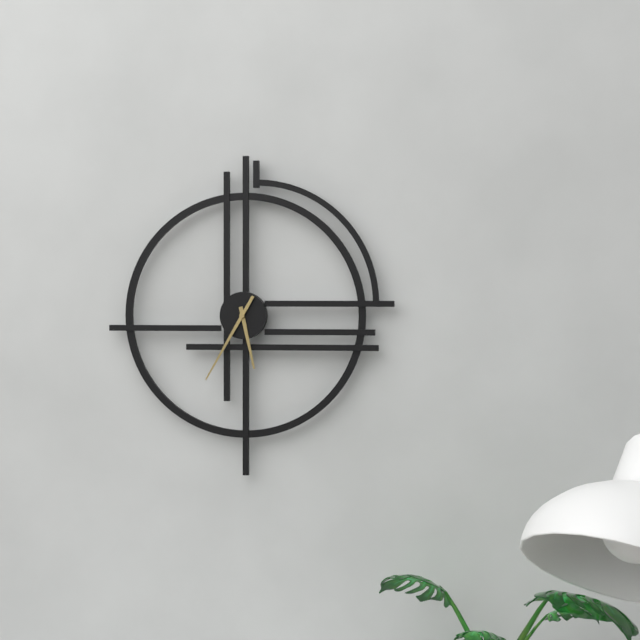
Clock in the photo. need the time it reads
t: 5:35
